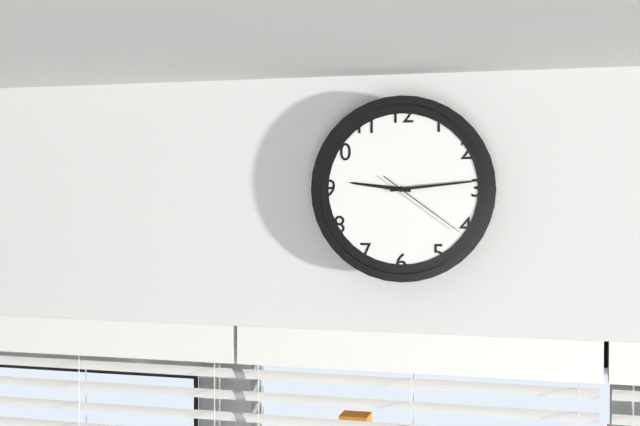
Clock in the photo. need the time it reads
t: 9:14:21
